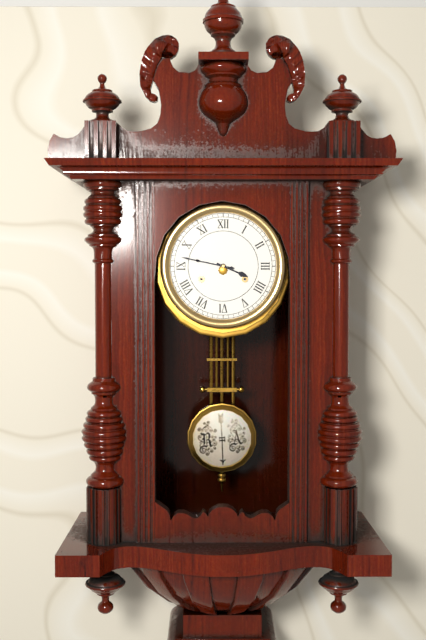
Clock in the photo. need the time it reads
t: 3:47
